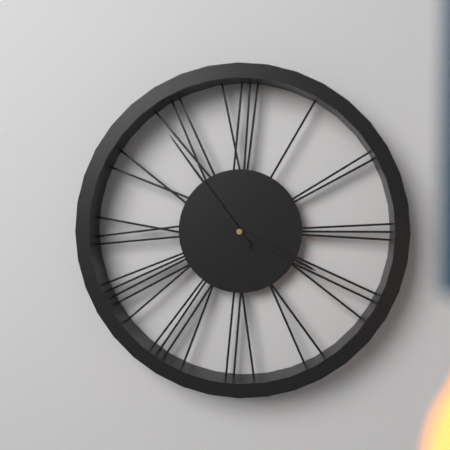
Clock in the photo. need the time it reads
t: 3:54
